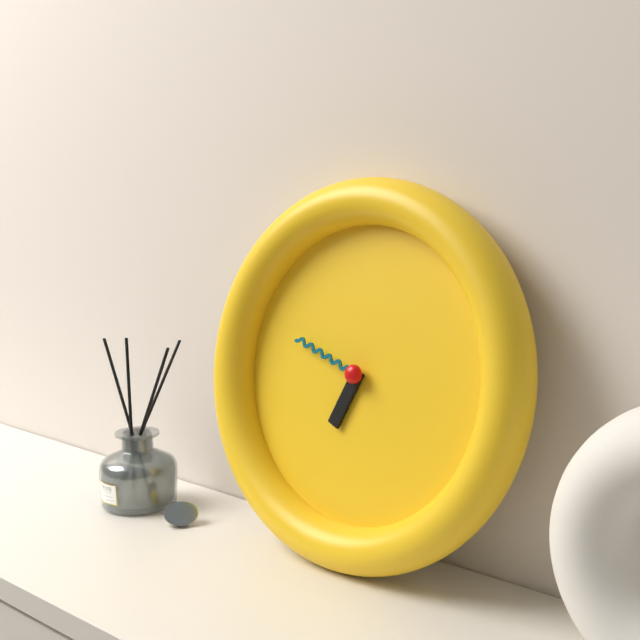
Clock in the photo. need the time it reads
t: 6:48
